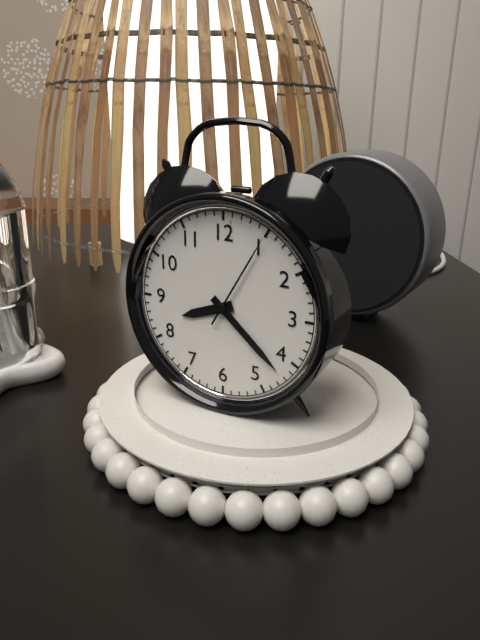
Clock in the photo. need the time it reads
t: 8:22:05
